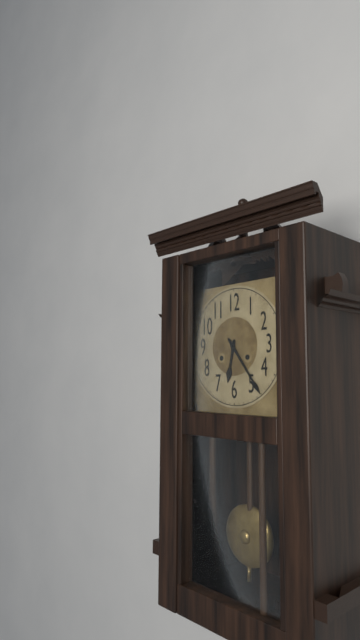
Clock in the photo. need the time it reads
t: 6:24
